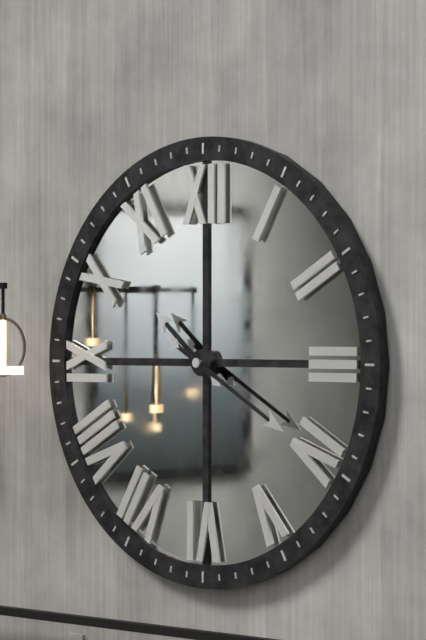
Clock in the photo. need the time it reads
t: 10:20
